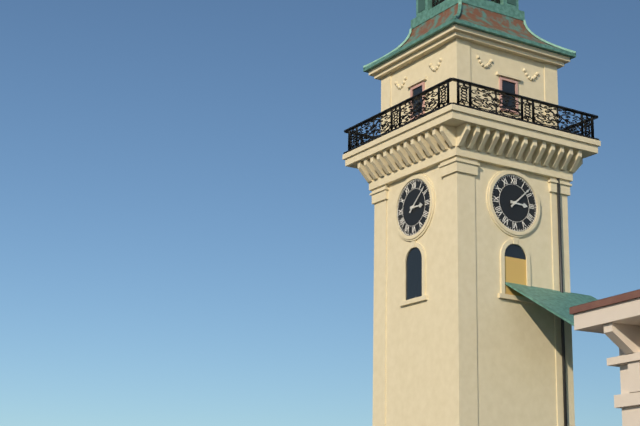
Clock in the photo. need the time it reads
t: 3:08
